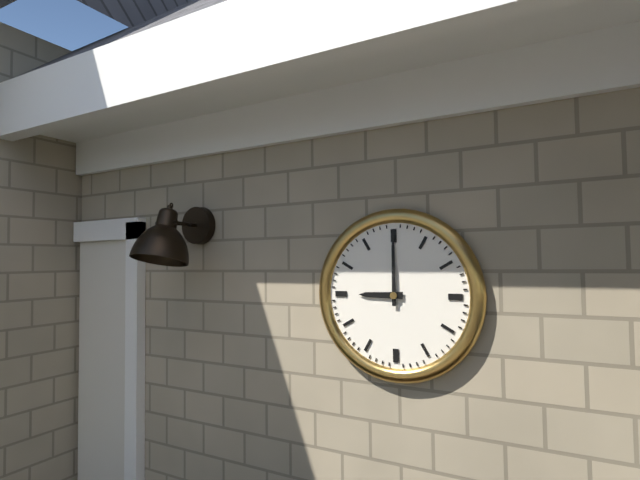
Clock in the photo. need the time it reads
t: 9:00
